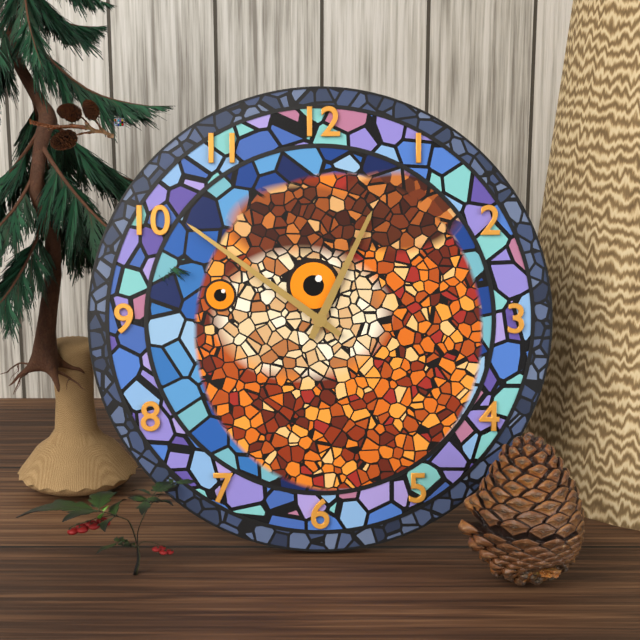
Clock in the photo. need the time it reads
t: 12:51
